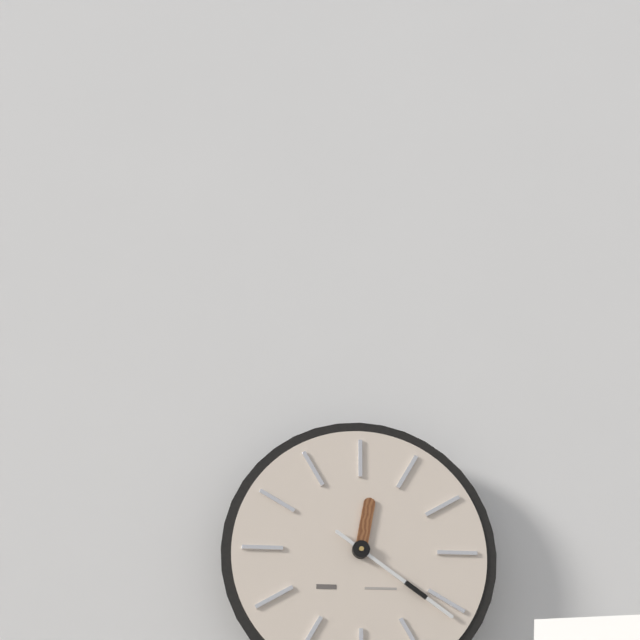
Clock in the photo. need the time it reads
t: 12:21
